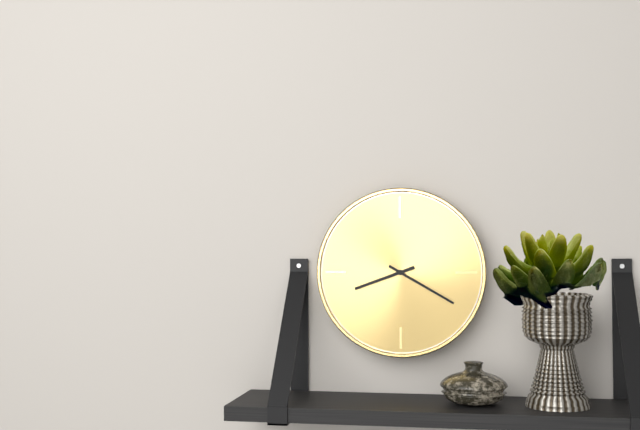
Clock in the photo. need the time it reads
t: 8:20
